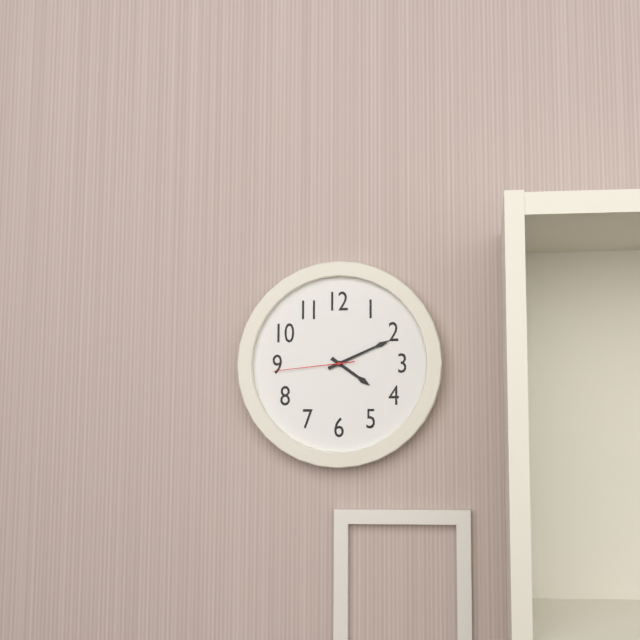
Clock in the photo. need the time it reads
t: 4:11:44
